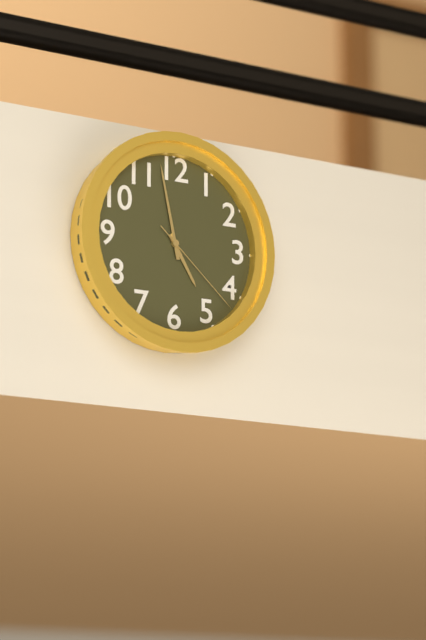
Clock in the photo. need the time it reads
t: 4:58:22
